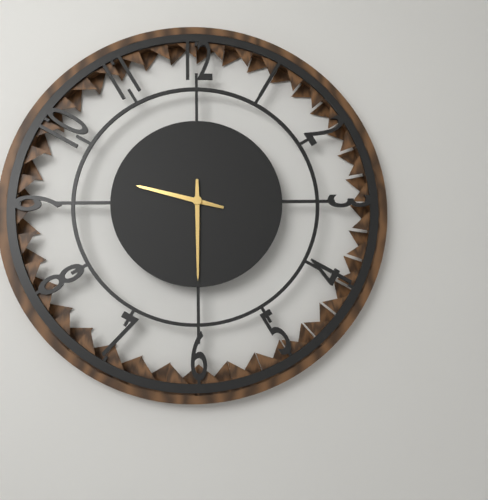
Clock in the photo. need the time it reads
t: 9:30
